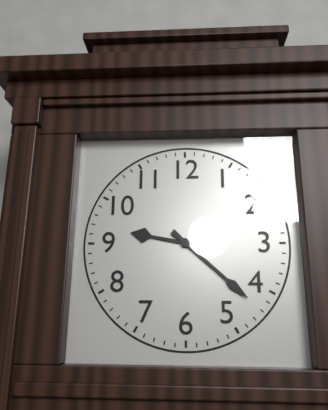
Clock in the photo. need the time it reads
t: 9:22
